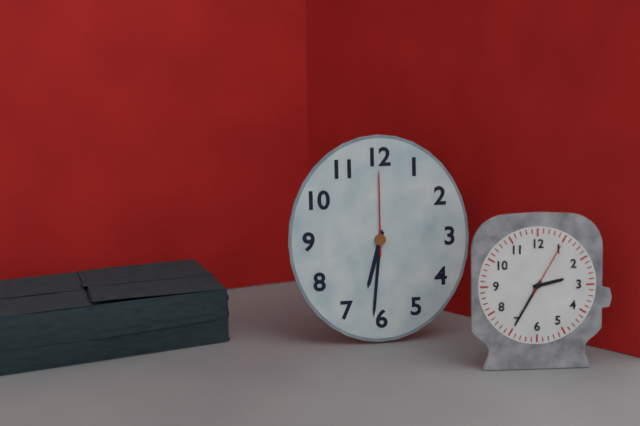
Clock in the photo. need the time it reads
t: 6:31:00
